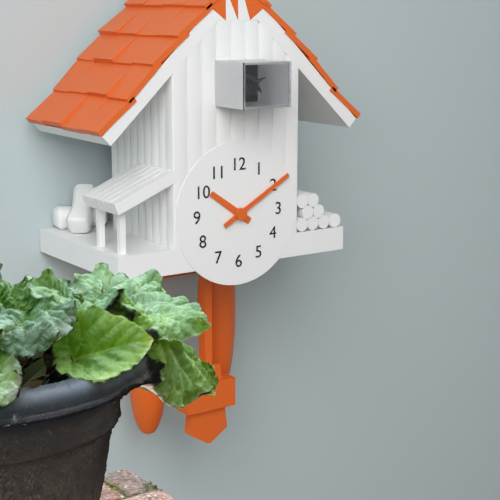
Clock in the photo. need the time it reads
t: 10:10
